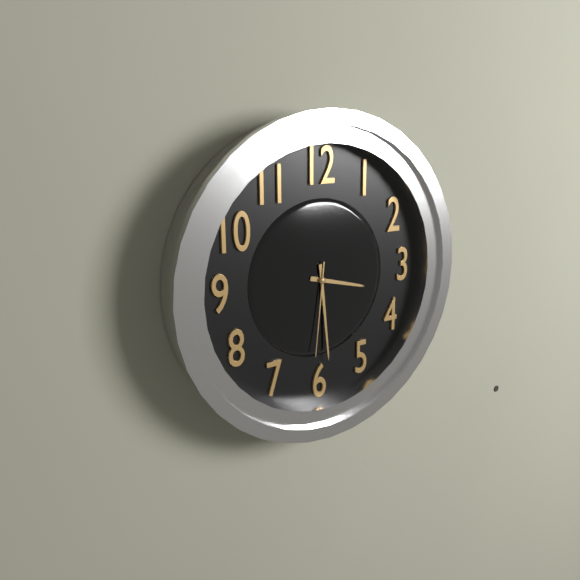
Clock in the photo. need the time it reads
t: 3:29:31
